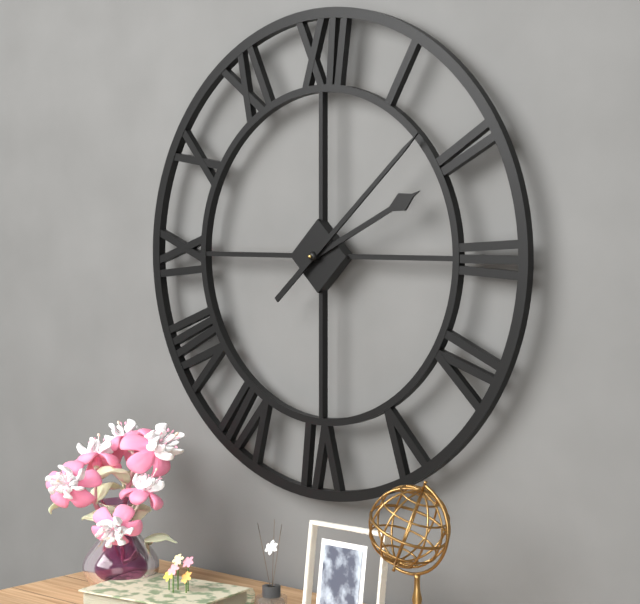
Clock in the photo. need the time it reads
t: 2:08
